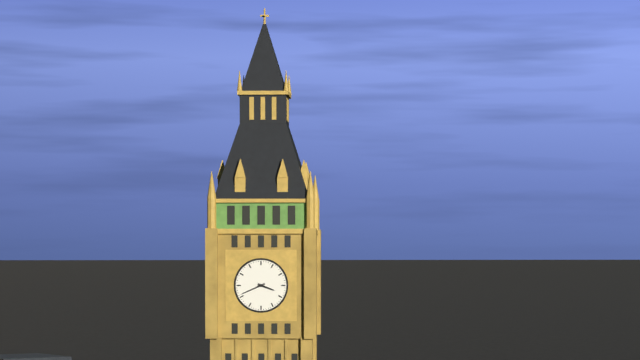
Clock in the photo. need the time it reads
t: 3:41
